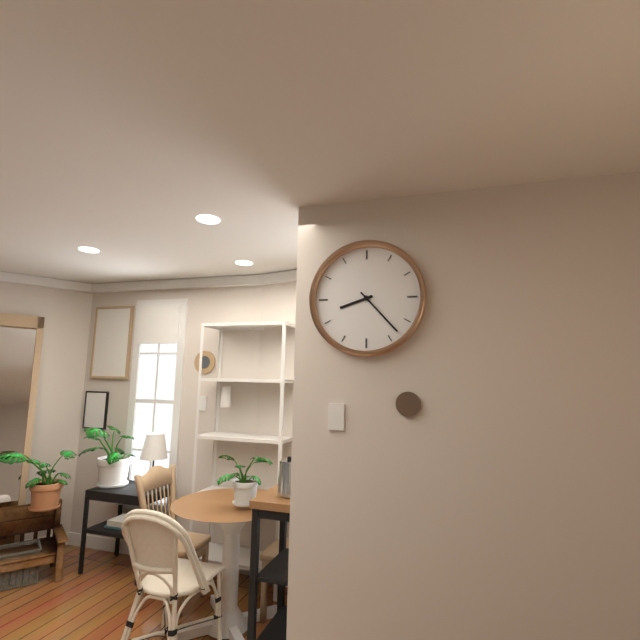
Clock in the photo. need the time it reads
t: 8:23
